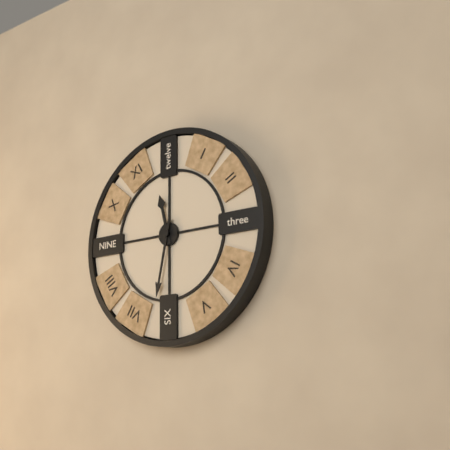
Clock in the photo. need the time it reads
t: 11:32
